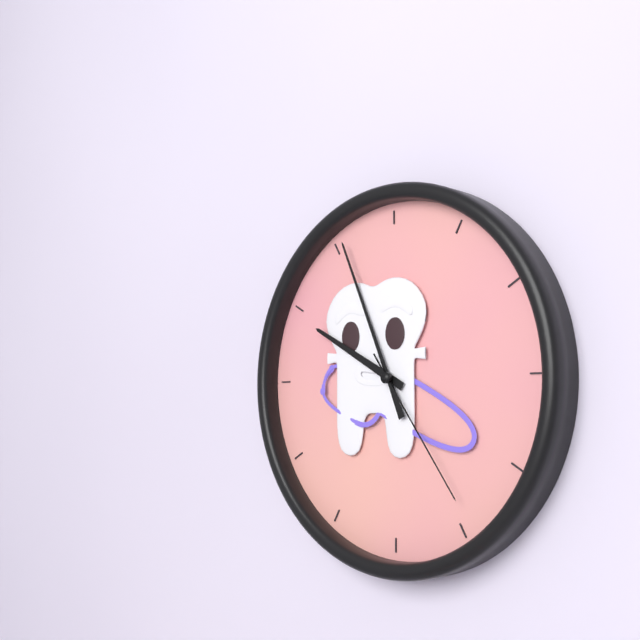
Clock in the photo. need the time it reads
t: 9:56:24
